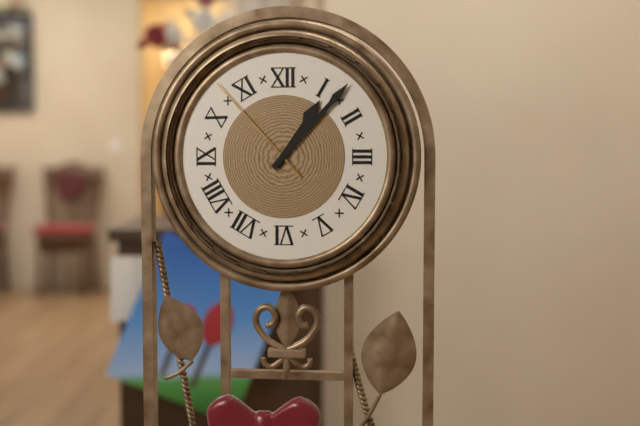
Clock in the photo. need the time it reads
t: 1:07:53
